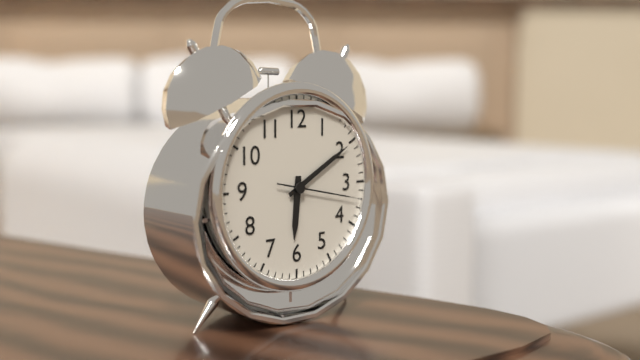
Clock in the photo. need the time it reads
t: 6:10:17
